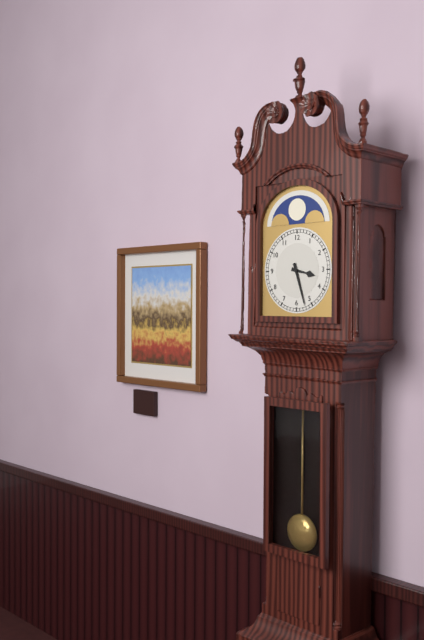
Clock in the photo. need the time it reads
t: 3:27
